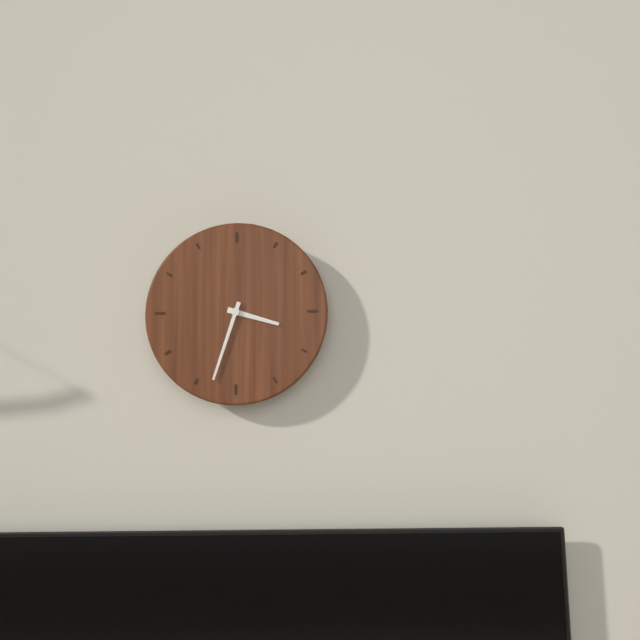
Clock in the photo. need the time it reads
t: 3:33
